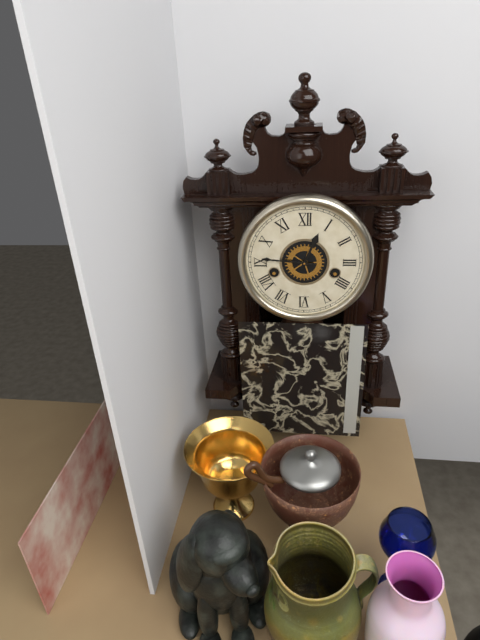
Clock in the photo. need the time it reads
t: 12:46
